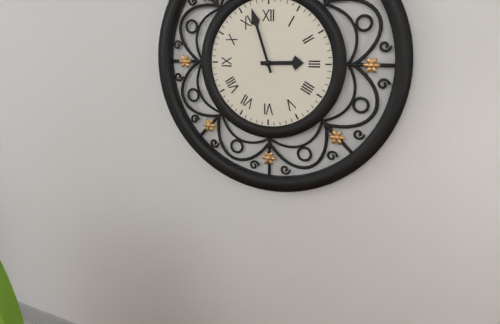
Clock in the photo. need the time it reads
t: 2:57
